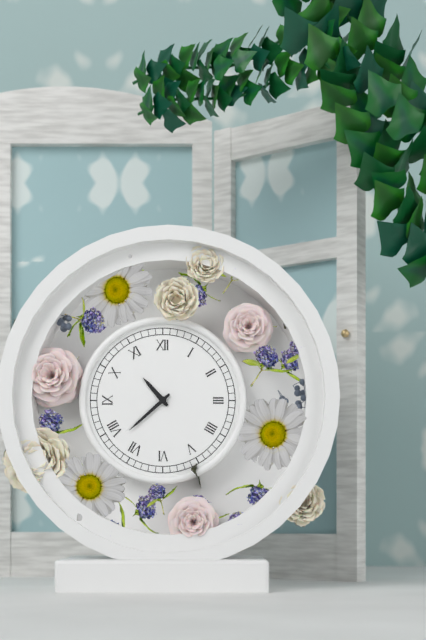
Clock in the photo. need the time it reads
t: 10:38
